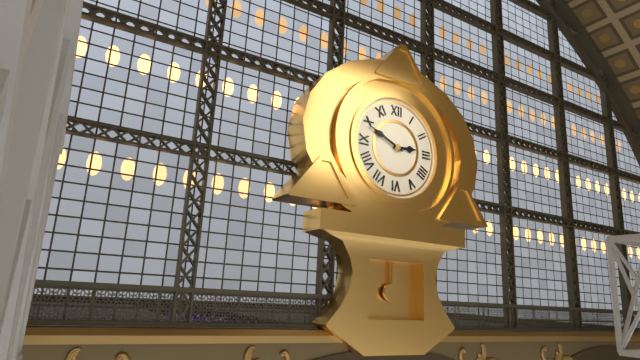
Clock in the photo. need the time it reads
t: 2:49
